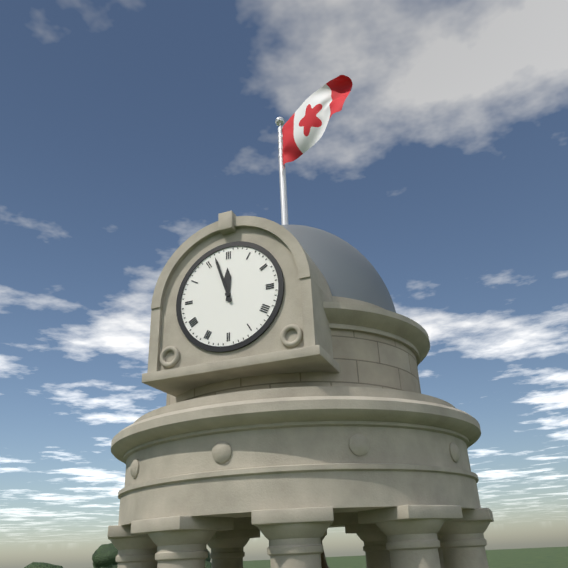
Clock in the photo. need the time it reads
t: 11:57
